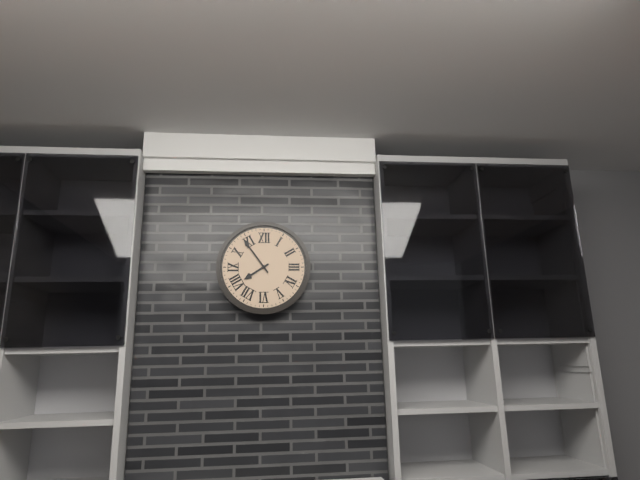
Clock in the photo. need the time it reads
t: 7:54
